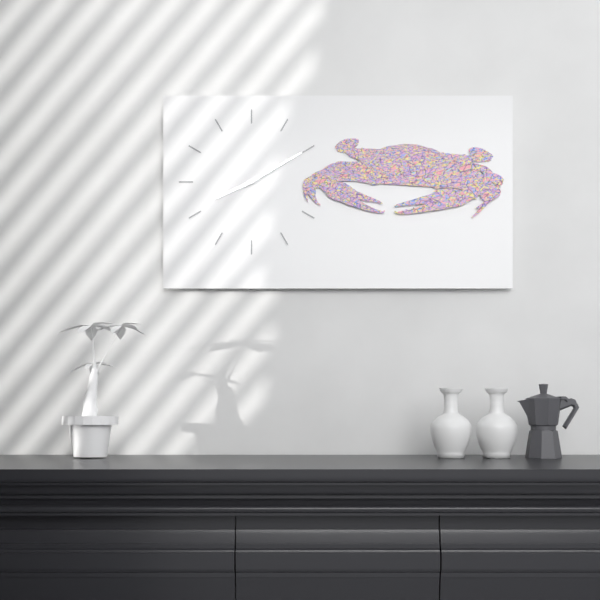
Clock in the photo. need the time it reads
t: 8:10
